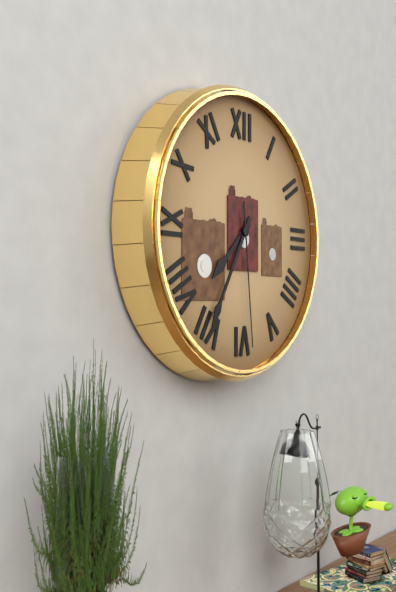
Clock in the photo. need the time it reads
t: 7:35:29
